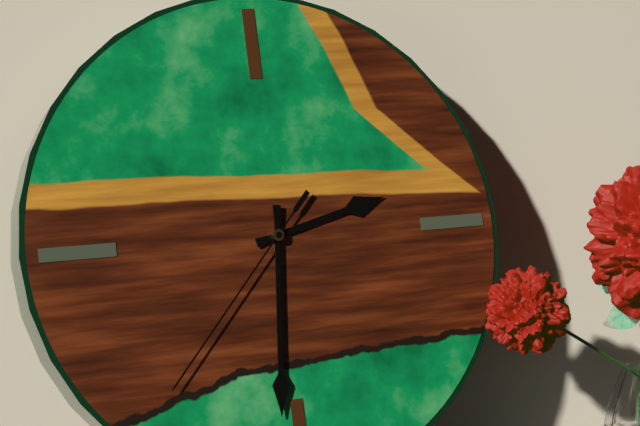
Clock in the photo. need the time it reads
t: 2:31:37
